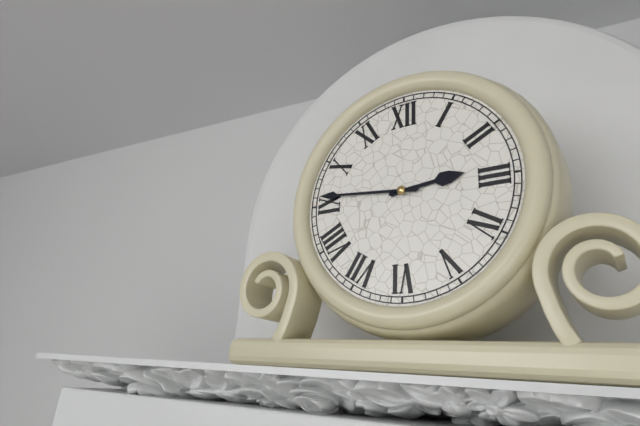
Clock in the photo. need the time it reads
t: 2:46
